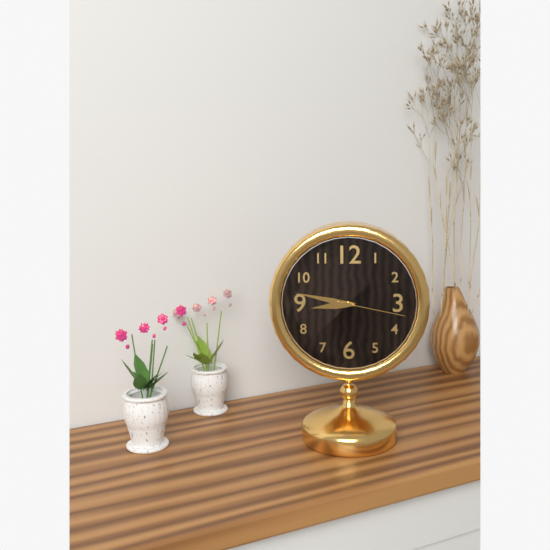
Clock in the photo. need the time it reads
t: 8:47:17
